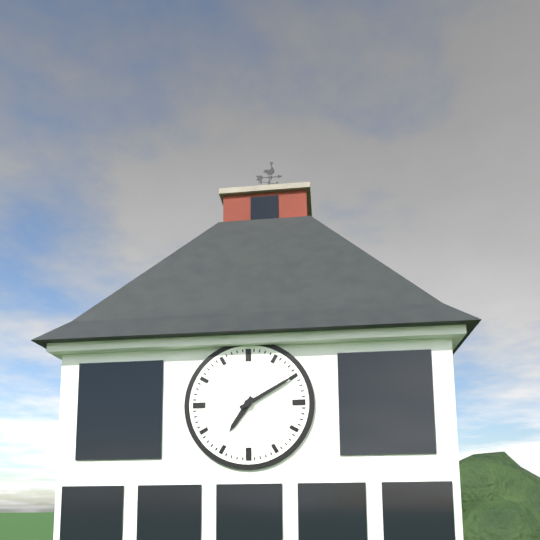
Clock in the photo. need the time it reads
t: 7:10
